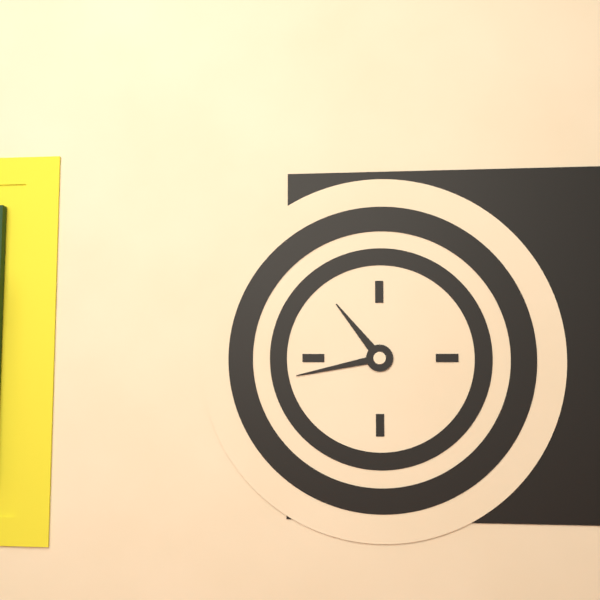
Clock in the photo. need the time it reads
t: 10:43
